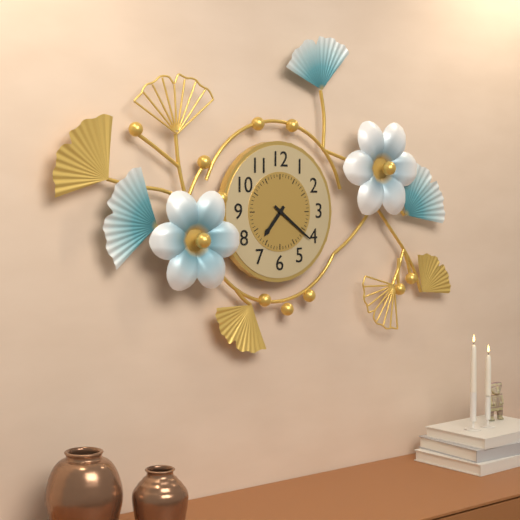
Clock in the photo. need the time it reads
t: 7:21
